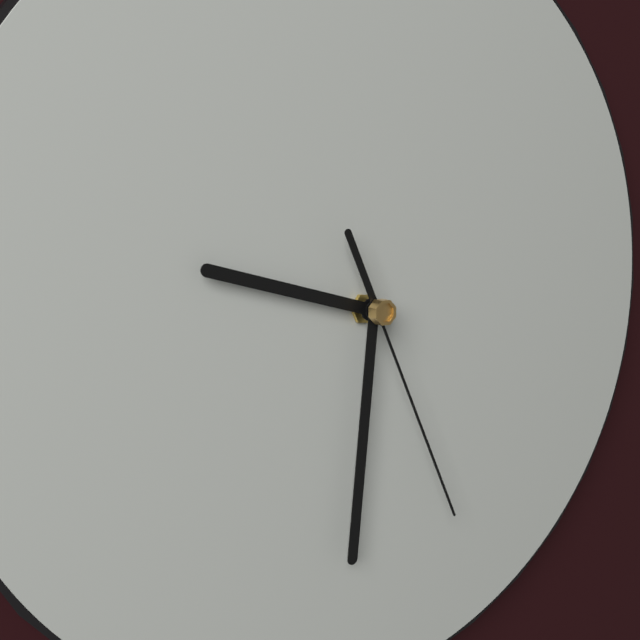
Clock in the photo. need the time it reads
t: 9:31:26
